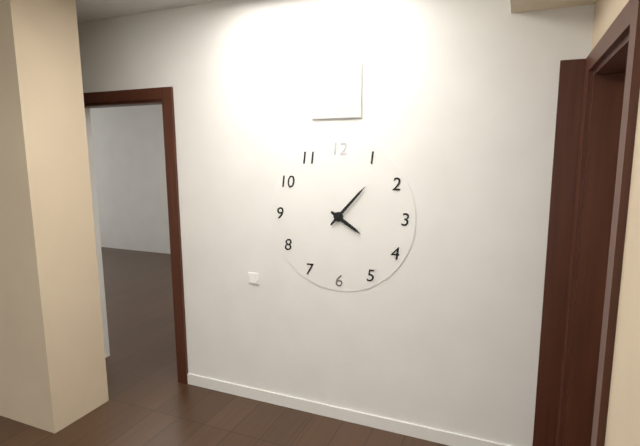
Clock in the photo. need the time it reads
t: 4:07
